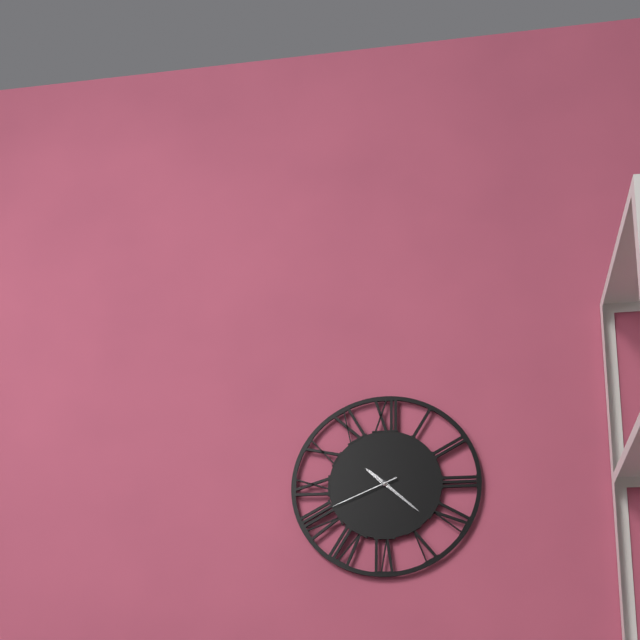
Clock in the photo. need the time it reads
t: 10:22:41
